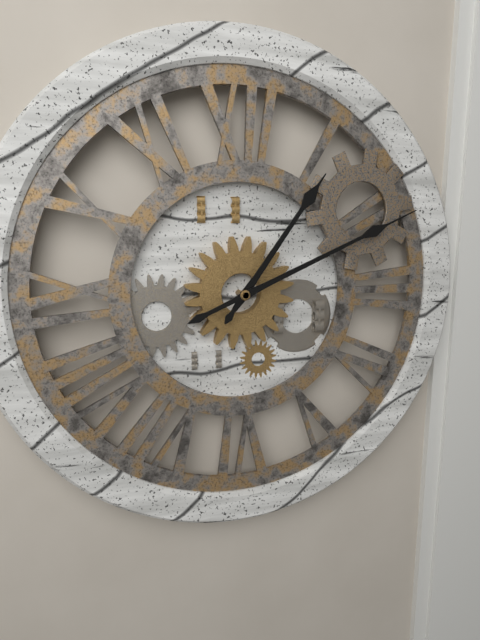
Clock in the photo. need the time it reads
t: 1:11
